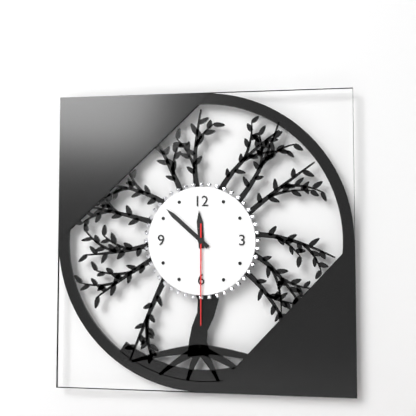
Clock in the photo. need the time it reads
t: 11:52:30
